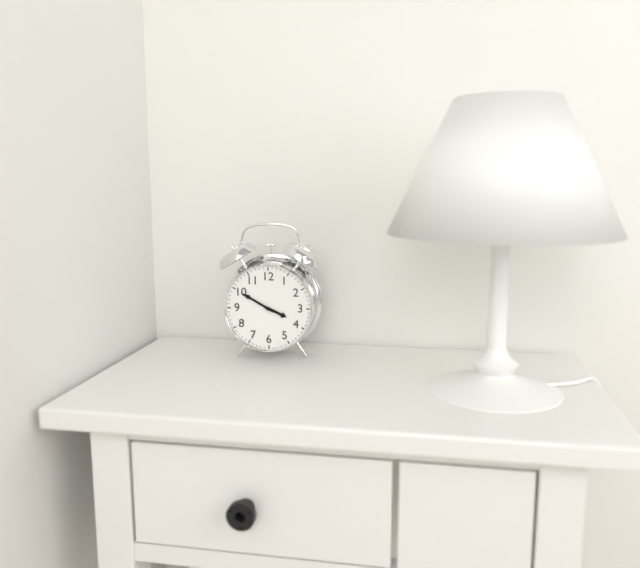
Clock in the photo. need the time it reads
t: 3:50
